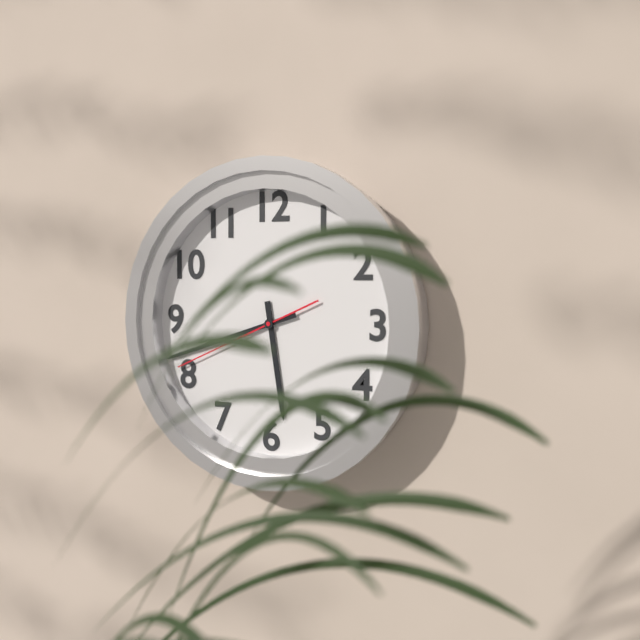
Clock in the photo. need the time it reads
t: 5:42:41
